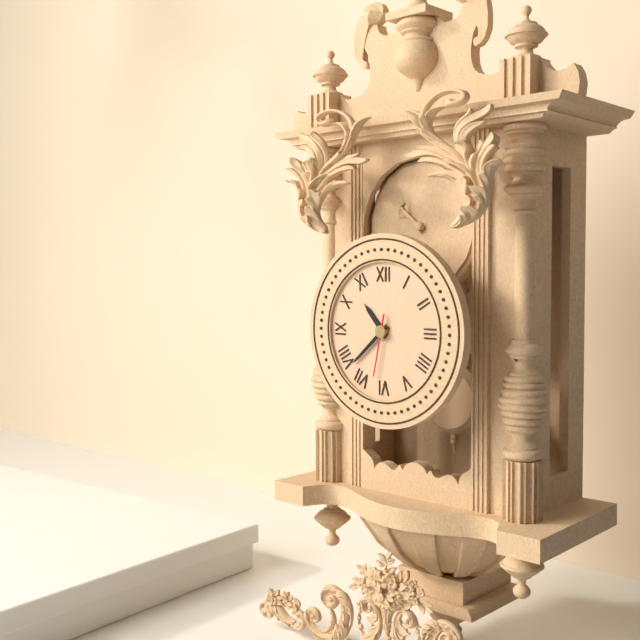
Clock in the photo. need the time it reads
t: 10:38:32
